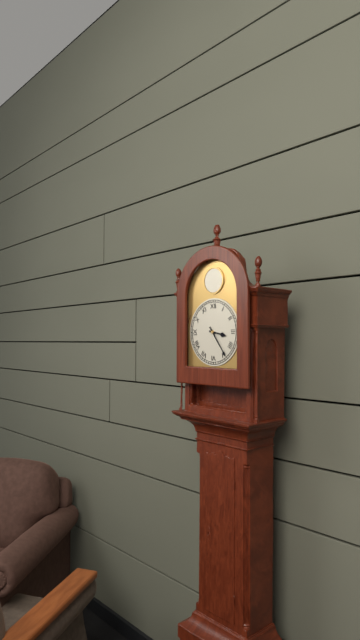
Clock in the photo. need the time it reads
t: 3:24
